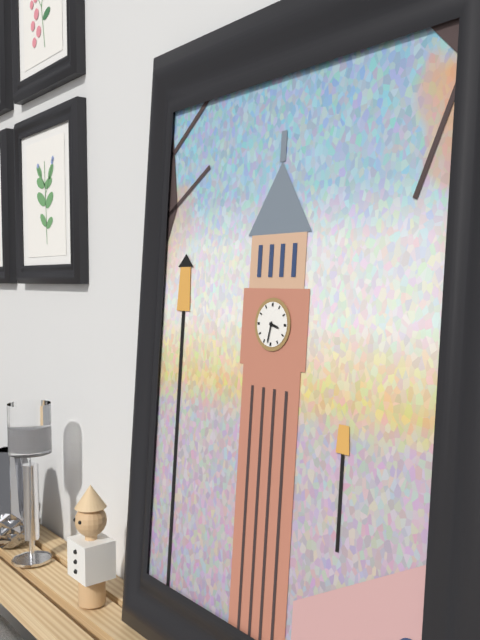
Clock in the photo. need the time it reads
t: 3:32
